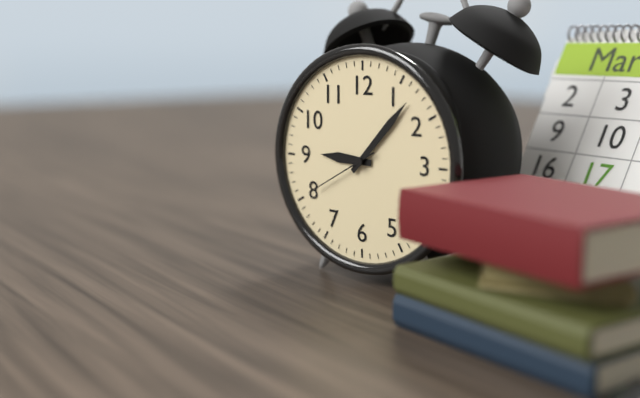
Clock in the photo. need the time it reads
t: 9:07:40
